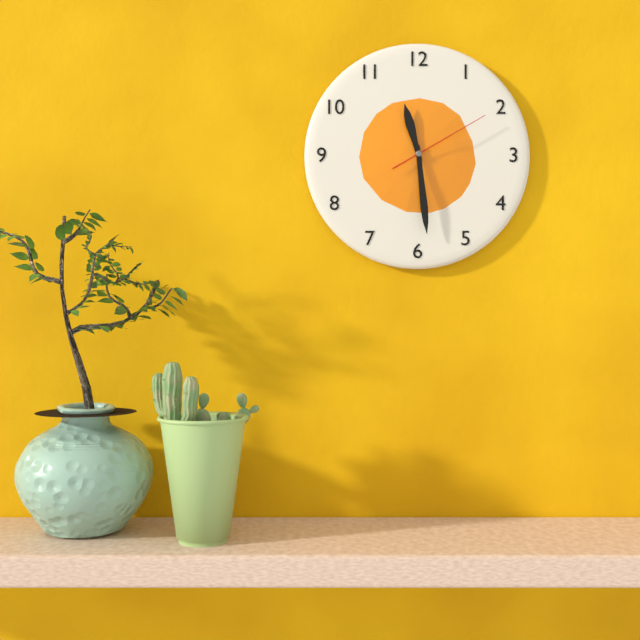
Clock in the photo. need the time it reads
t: 11:29:10
